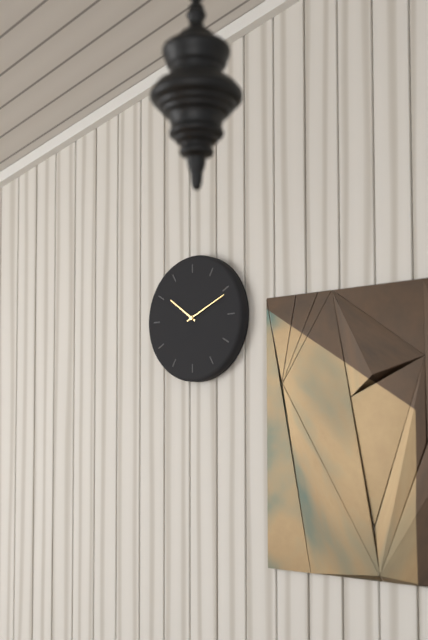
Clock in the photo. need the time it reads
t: 10:11
